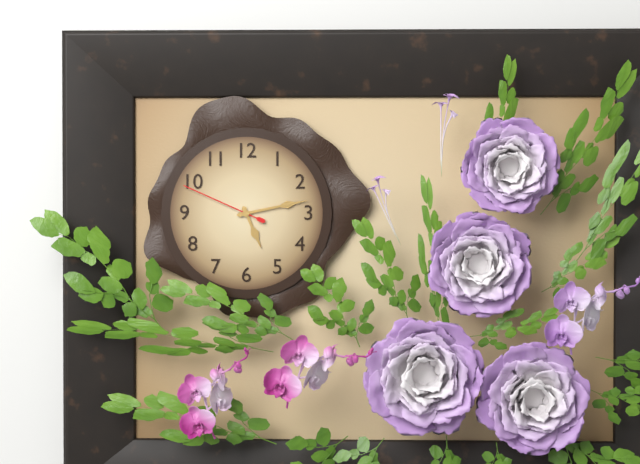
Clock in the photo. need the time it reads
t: 5:13:49
